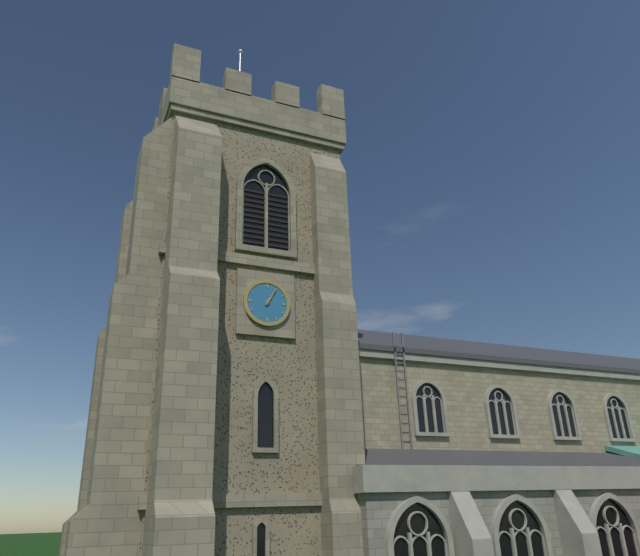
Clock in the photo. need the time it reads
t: 1:05
